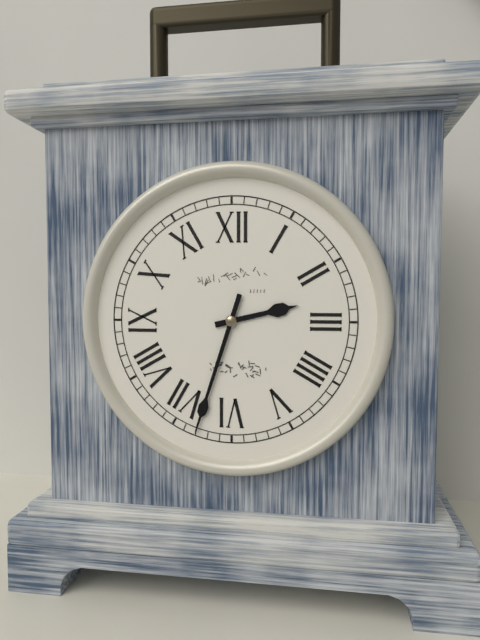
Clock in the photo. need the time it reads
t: 2:33
